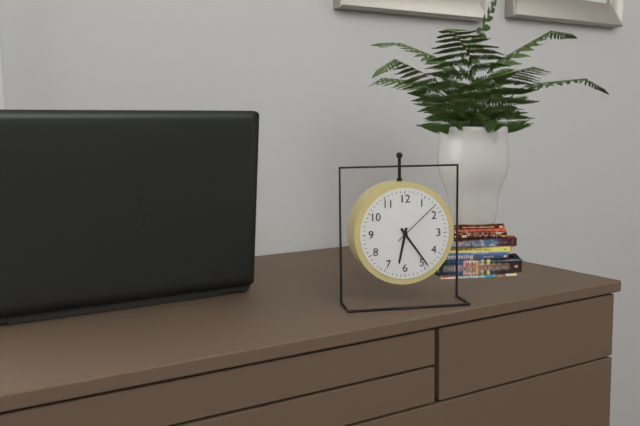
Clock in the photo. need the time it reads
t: 6:24:08
